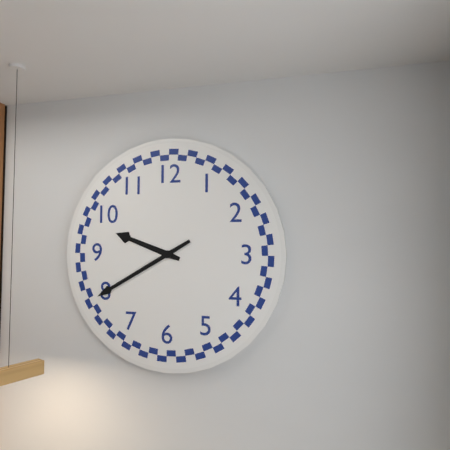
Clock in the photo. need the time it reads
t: 9:40
